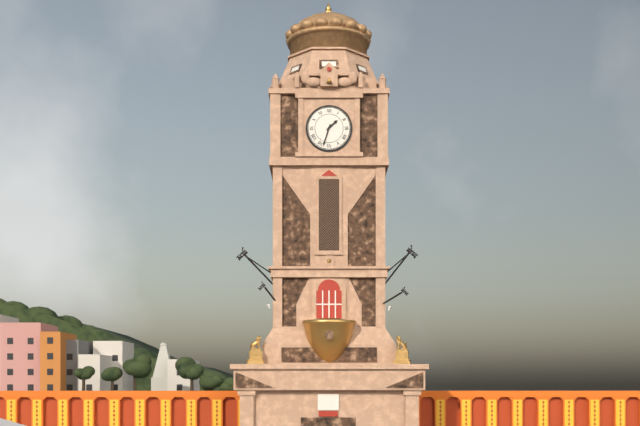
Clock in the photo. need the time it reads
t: 1:33
